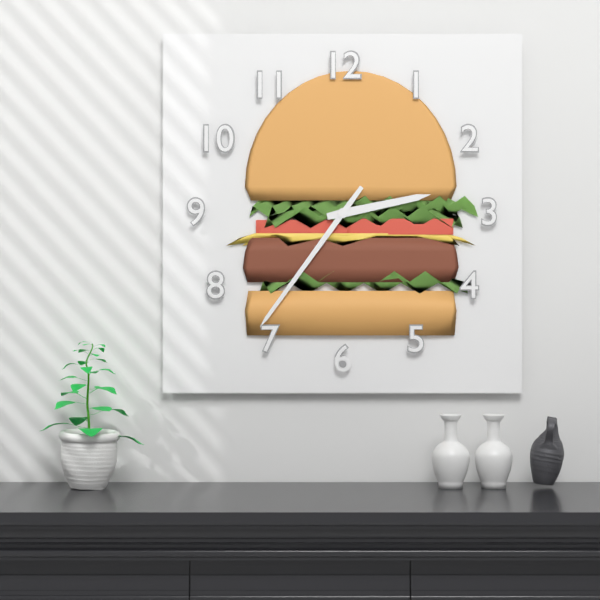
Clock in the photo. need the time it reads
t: 2:36
